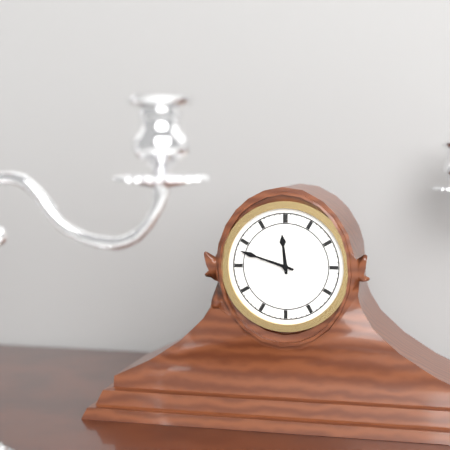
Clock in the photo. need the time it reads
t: 11:48
